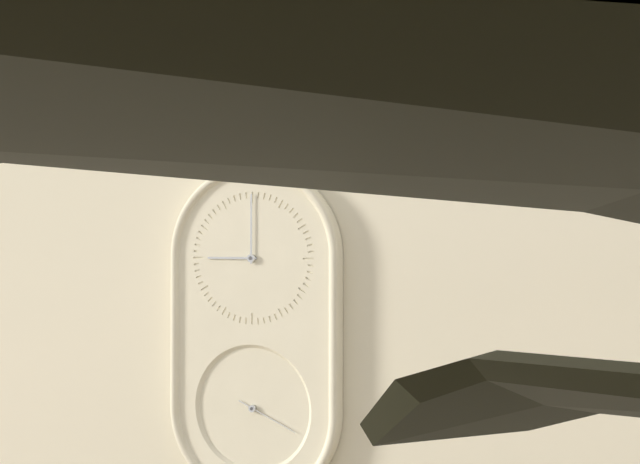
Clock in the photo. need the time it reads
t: 9:00:19
